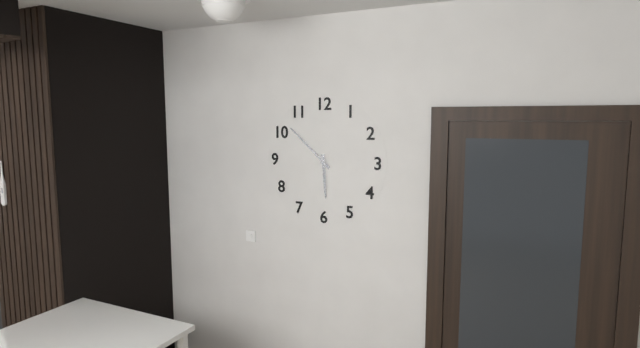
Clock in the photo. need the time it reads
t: 5:52
